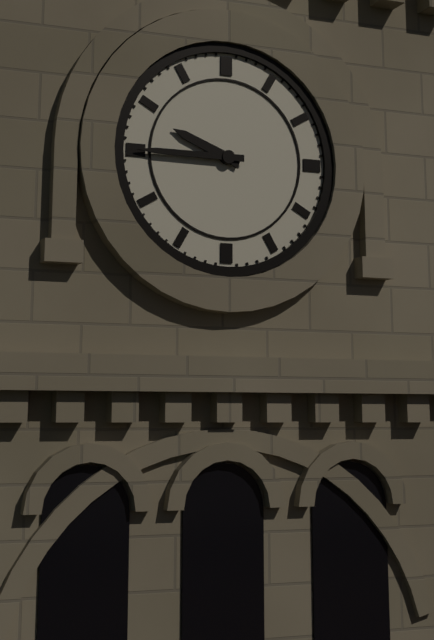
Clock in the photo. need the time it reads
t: 9:45
